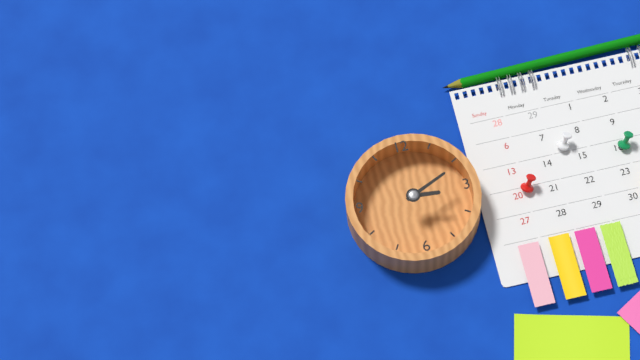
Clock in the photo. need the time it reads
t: 3:11
